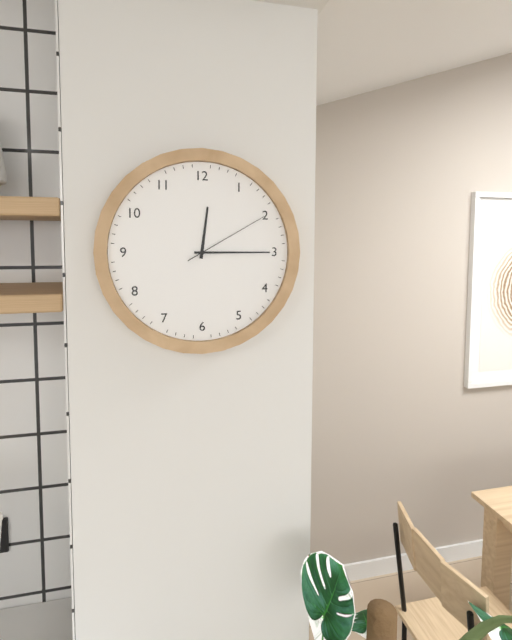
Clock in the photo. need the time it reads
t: 12:15:10
